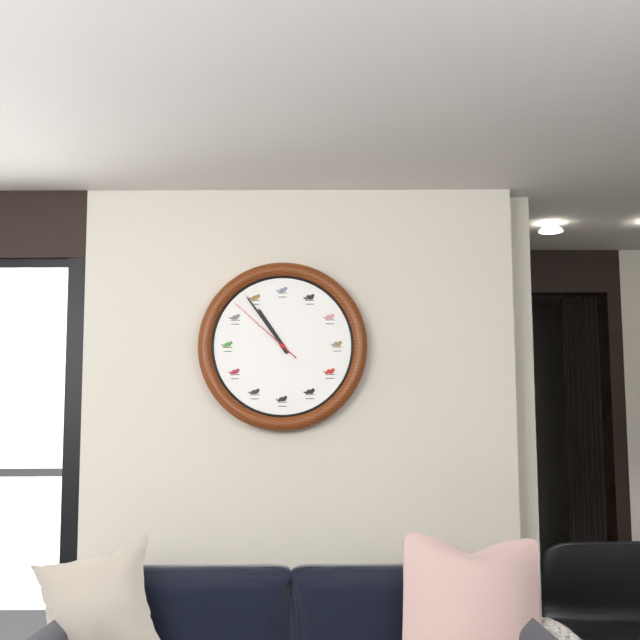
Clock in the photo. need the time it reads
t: 10:54:52
